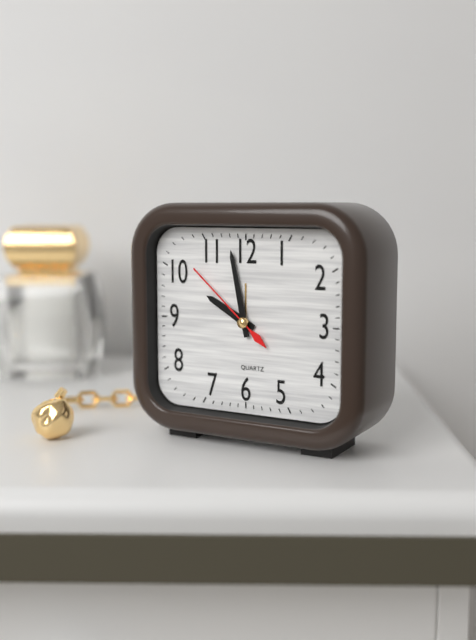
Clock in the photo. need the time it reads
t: 9:58:52
